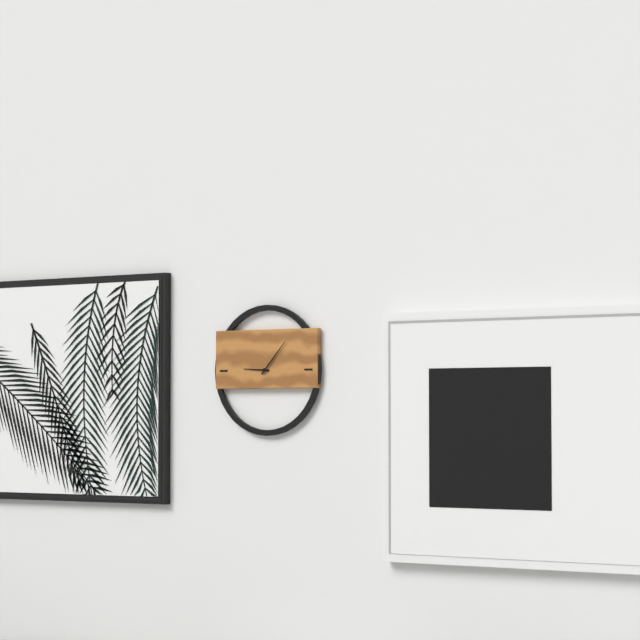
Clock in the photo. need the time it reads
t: 9:07
